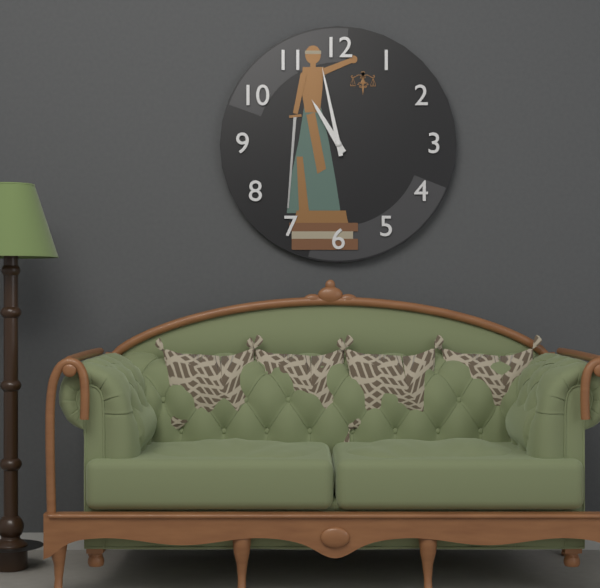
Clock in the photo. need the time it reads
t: 10:58
